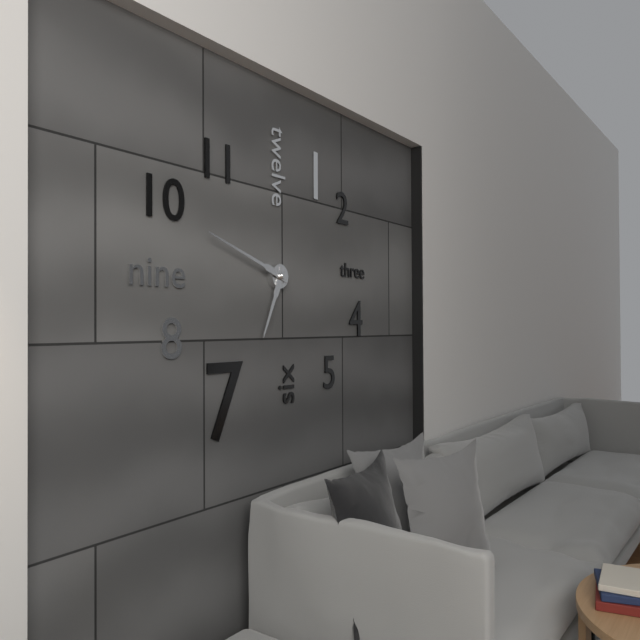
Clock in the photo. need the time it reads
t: 6:48
